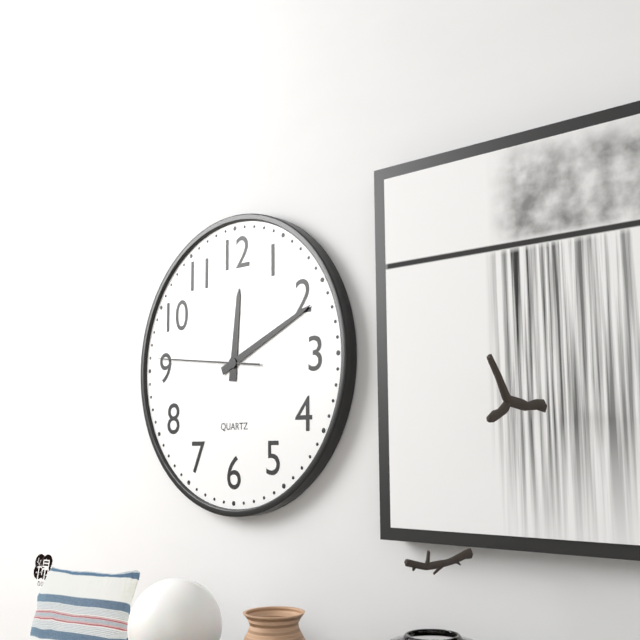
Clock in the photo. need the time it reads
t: 12:11:46
